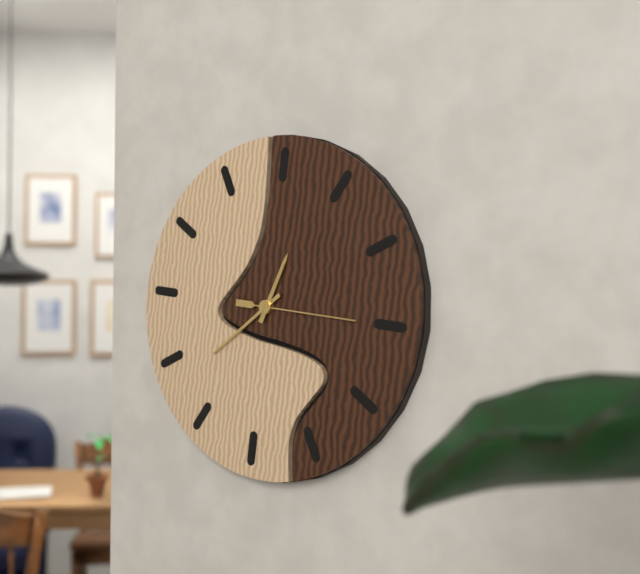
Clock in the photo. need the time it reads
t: 12:38:15
